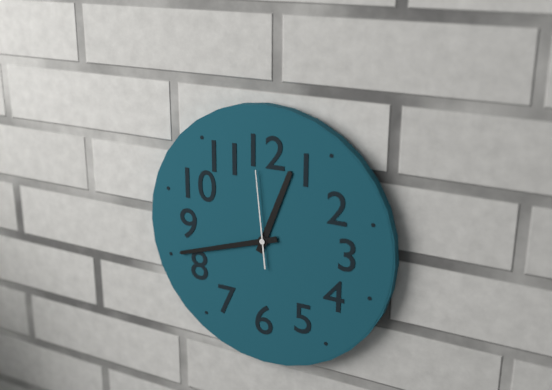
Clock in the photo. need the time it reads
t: 12:42:59
